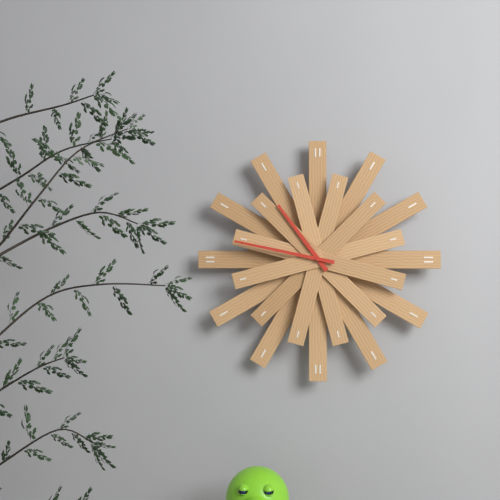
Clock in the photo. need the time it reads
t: 10:47
